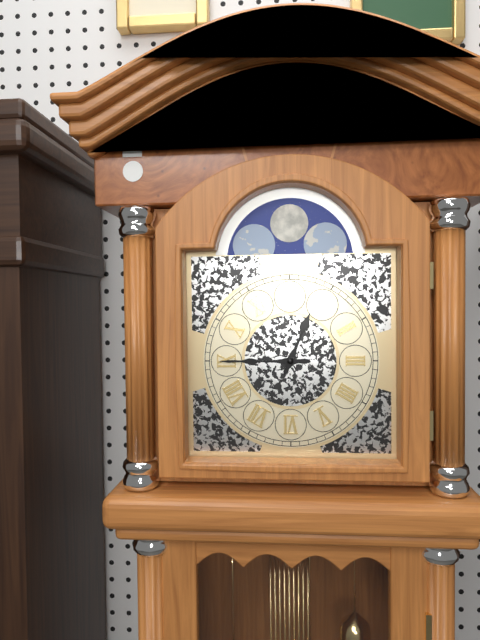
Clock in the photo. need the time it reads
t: 12:45
